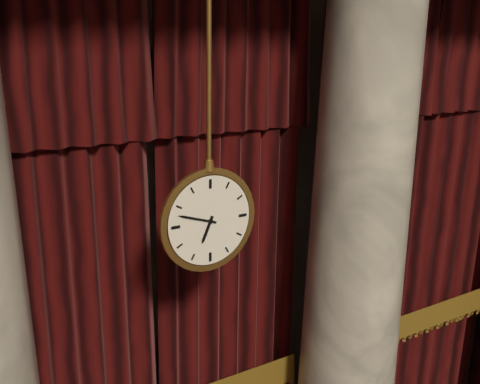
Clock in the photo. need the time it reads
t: 6:48
